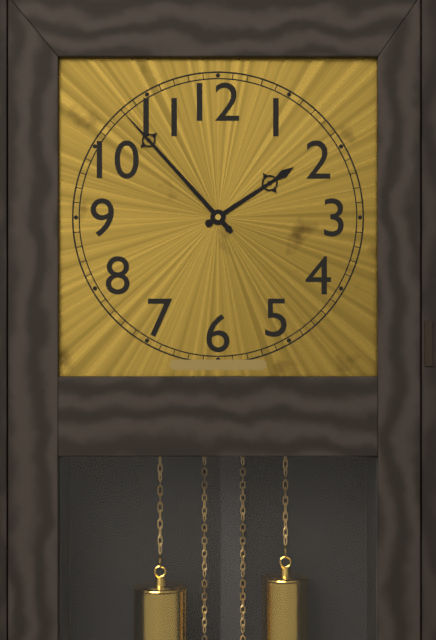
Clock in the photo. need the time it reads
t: 1:53
